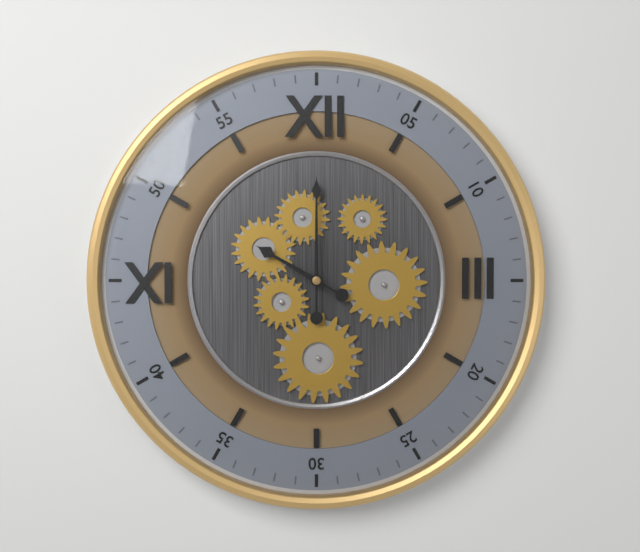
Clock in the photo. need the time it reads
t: 10:00
